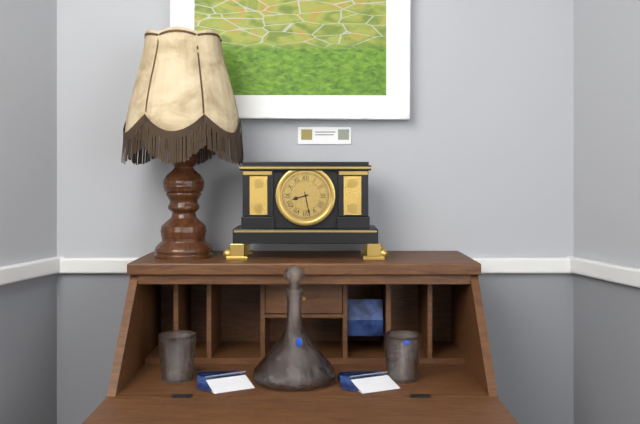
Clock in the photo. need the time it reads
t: 8:28
